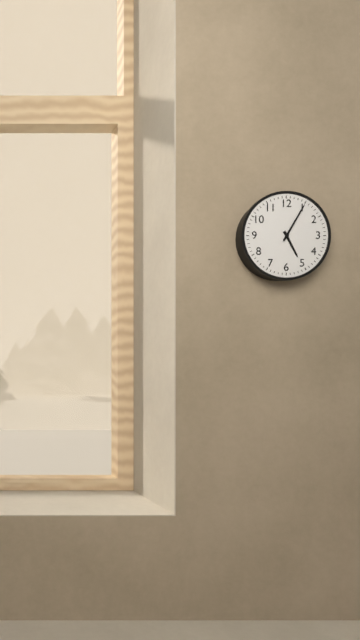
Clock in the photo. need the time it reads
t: 5:05
